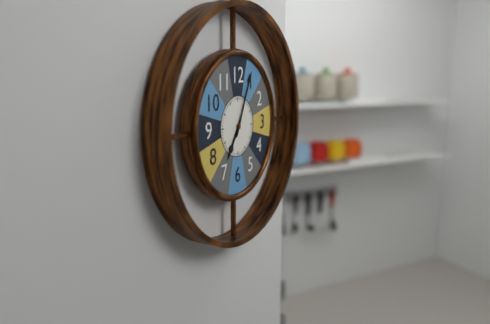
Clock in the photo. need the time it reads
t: 7:04
